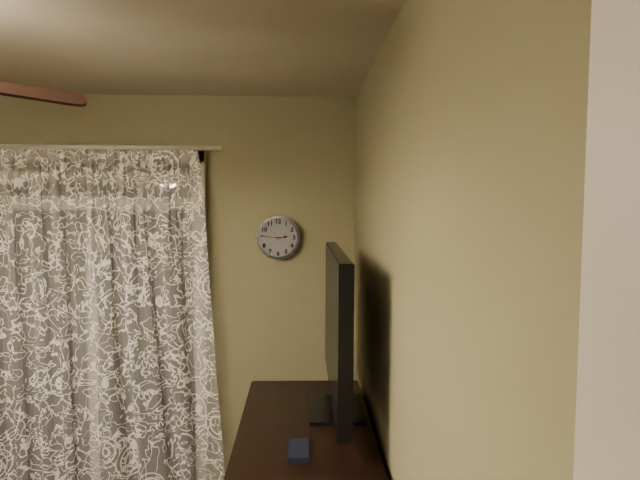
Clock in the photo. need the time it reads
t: 2:46
